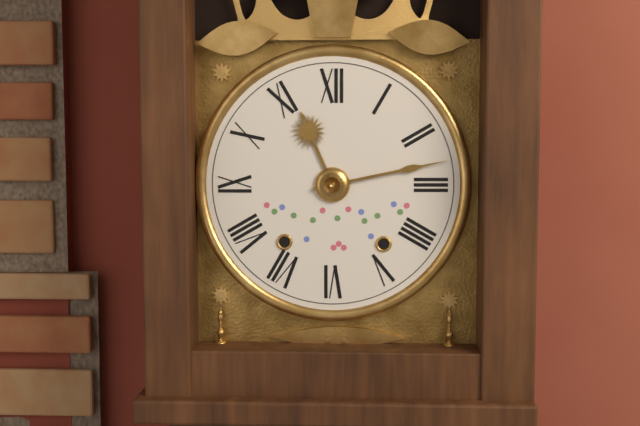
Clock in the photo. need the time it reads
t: 11:13
